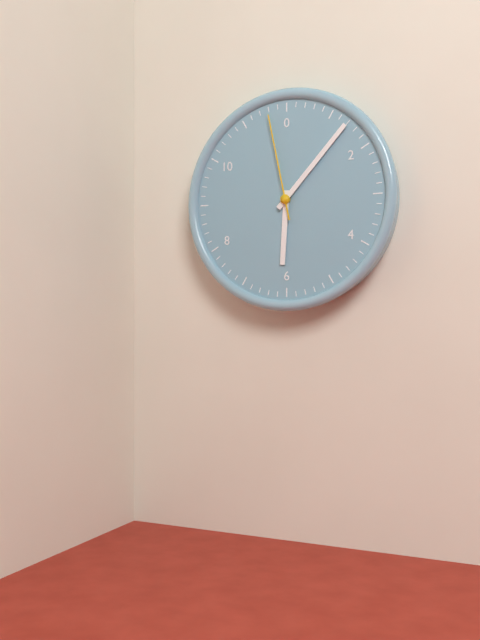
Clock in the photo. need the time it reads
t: 6:07:58
